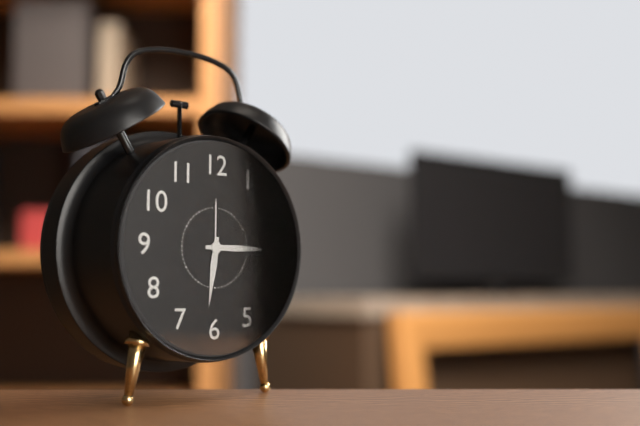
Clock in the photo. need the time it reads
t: 6:15
